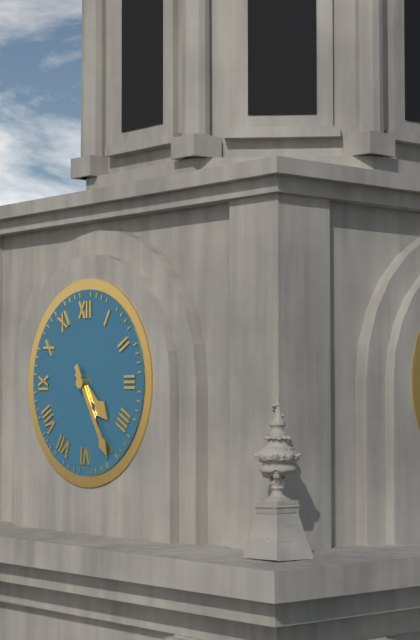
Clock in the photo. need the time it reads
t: 4:25
